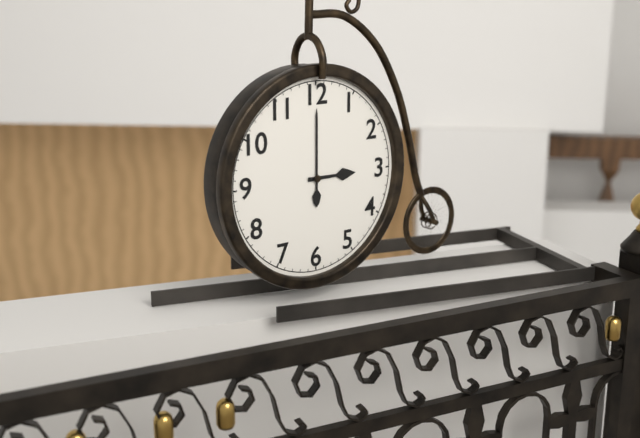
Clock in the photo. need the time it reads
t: 3:00
